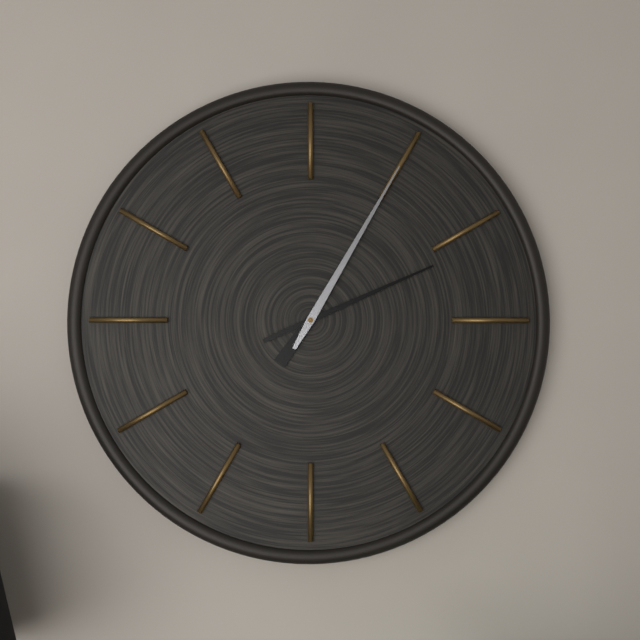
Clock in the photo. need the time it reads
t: 7:11:05
